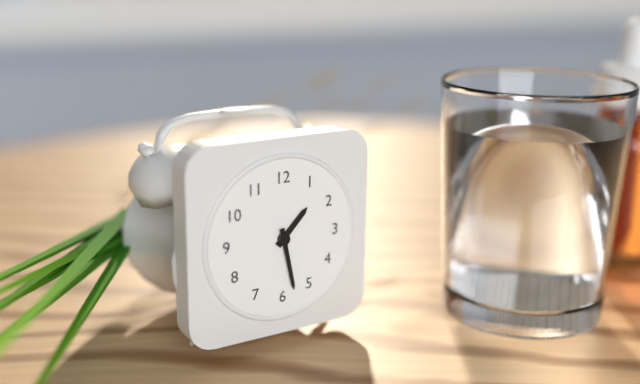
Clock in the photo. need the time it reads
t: 1:28
